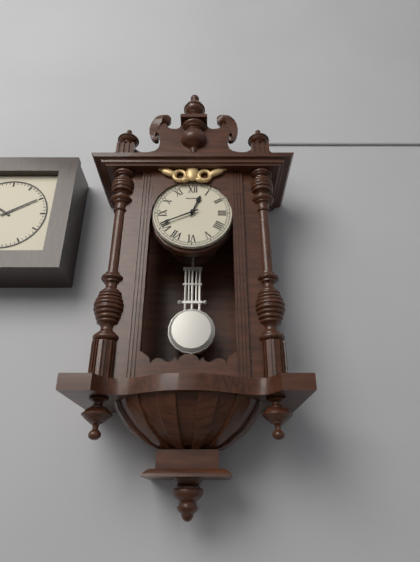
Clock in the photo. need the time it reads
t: 12:41
